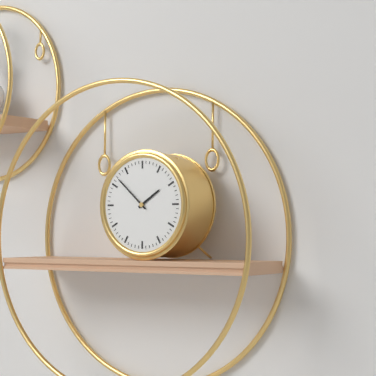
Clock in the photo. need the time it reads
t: 1:52
